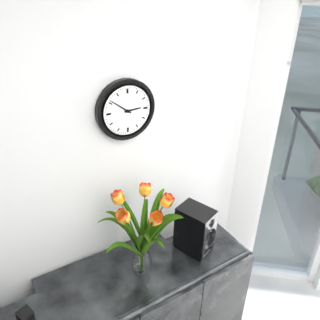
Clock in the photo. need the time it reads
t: 2:51
